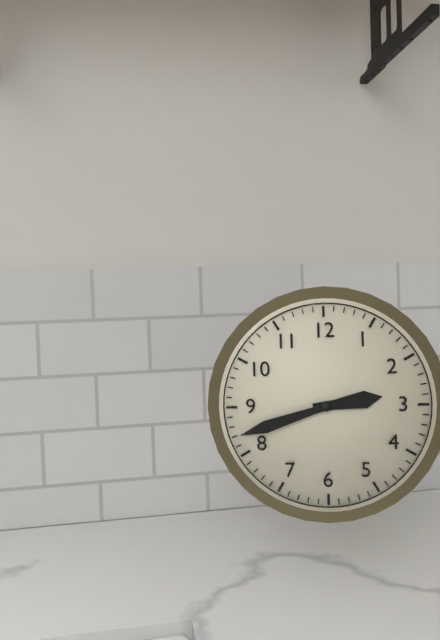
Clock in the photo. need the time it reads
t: 2:42
